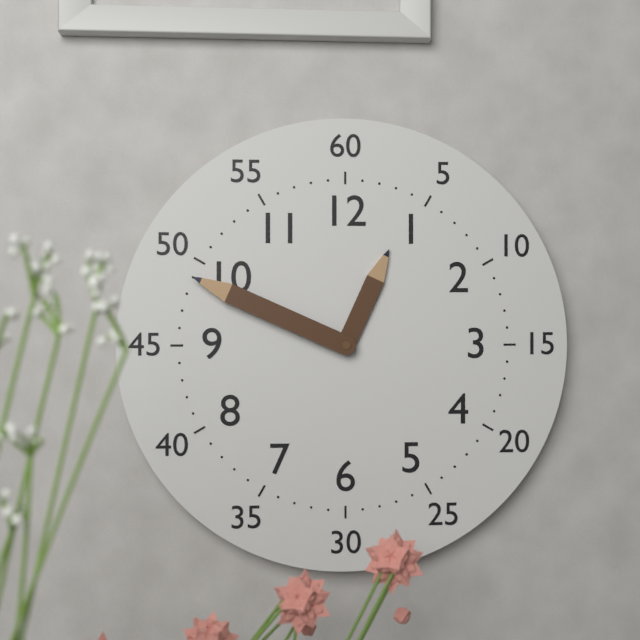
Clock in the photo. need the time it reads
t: 12:49
